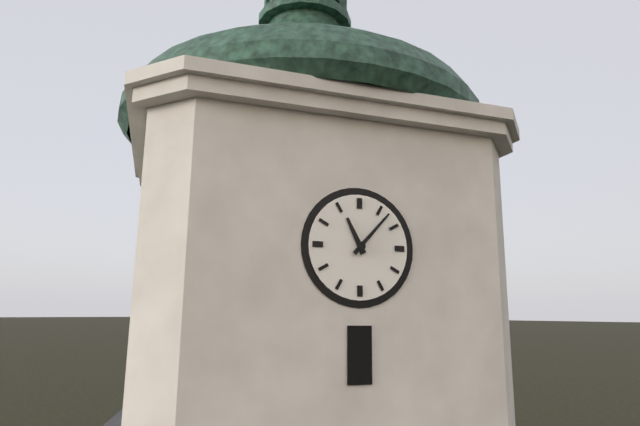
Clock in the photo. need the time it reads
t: 11:07
